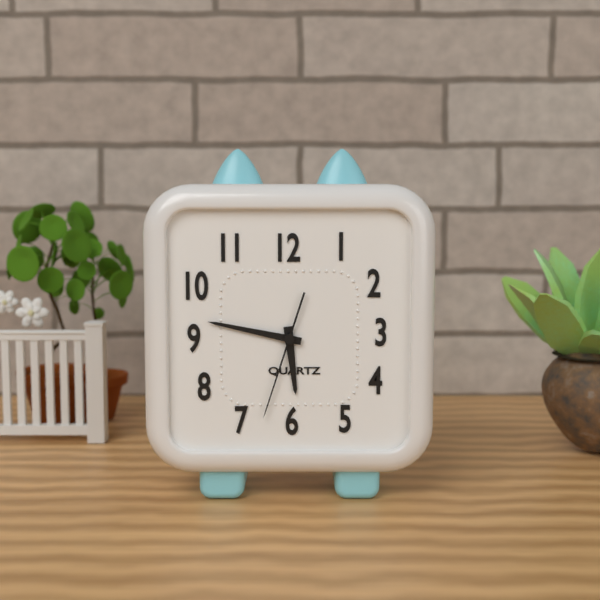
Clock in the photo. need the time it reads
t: 5:47:33
